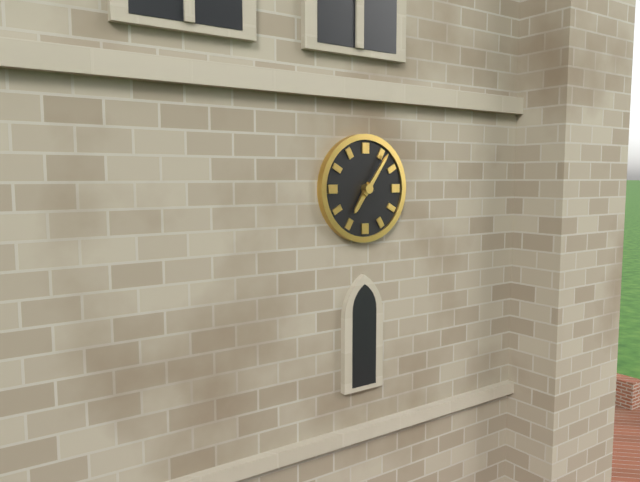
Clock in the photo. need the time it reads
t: 7:06
